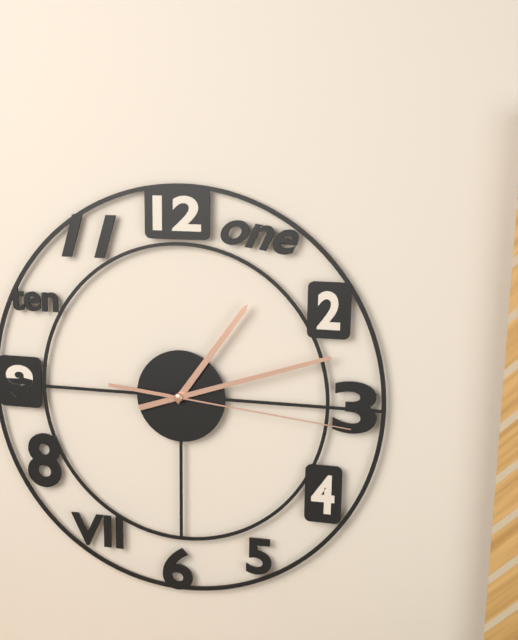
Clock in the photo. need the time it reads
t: 1:12:16
